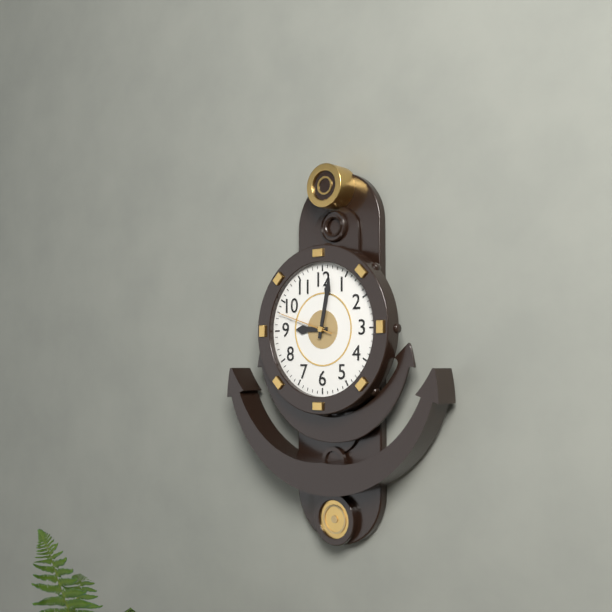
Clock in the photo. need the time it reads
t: 9:02:48
